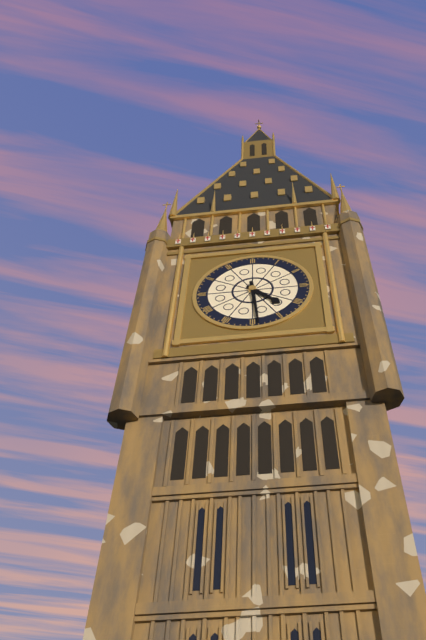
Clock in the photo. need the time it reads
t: 4:29
